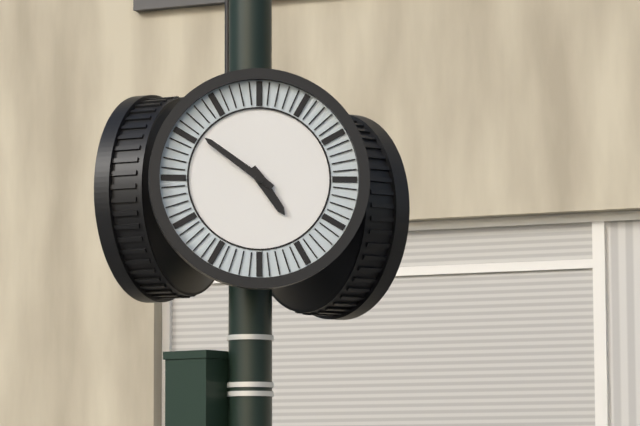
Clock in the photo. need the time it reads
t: 4:51
